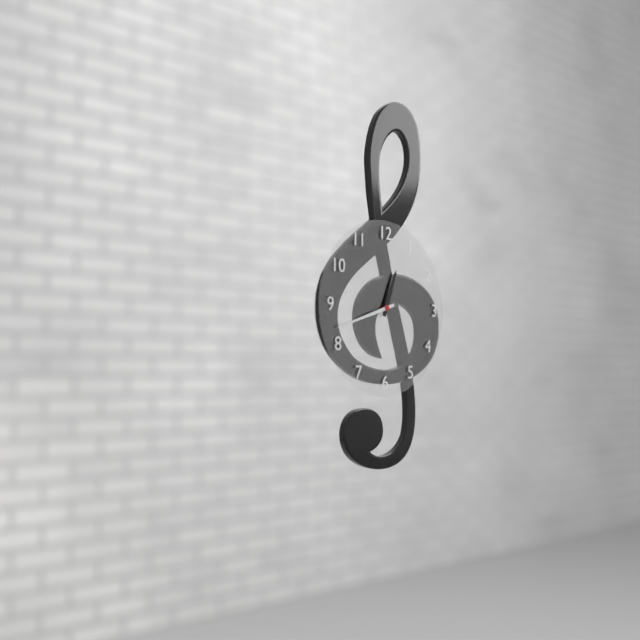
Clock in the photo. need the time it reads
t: 12:42
